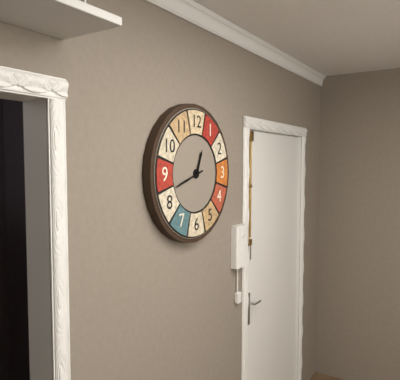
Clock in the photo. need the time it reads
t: 12:42
